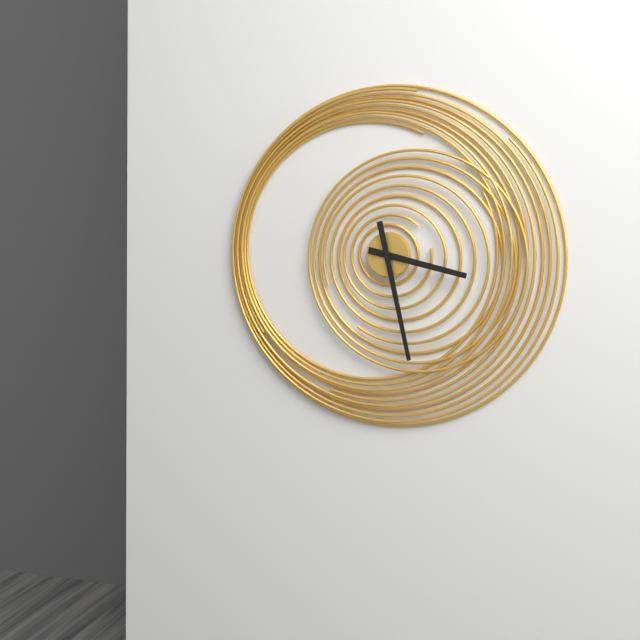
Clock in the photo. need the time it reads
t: 3:28
